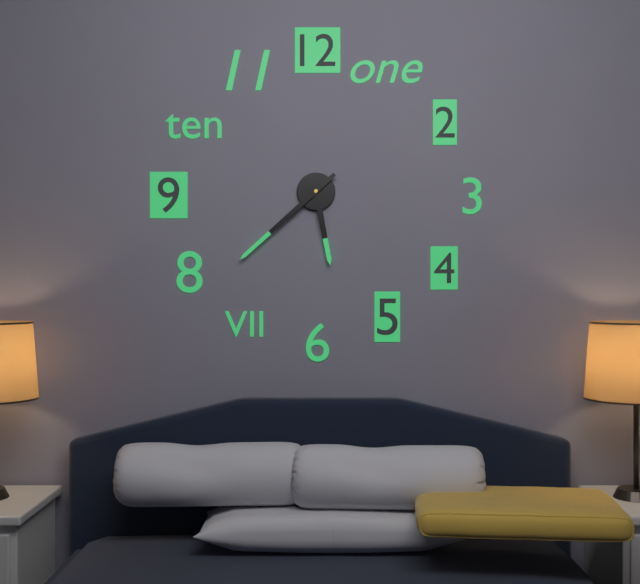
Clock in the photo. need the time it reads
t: 5:38
